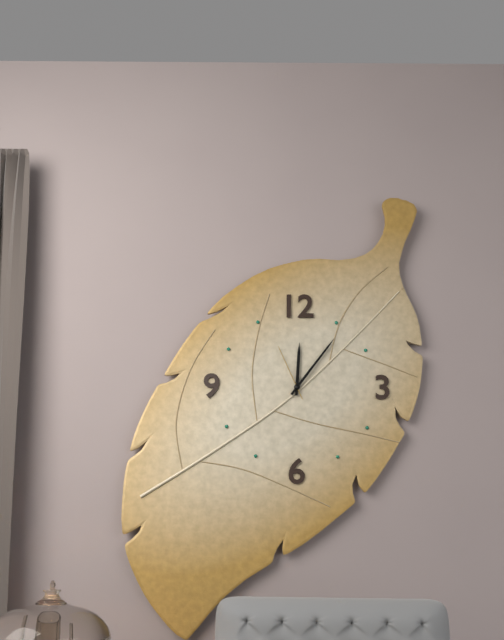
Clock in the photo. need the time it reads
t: 12:06:56
